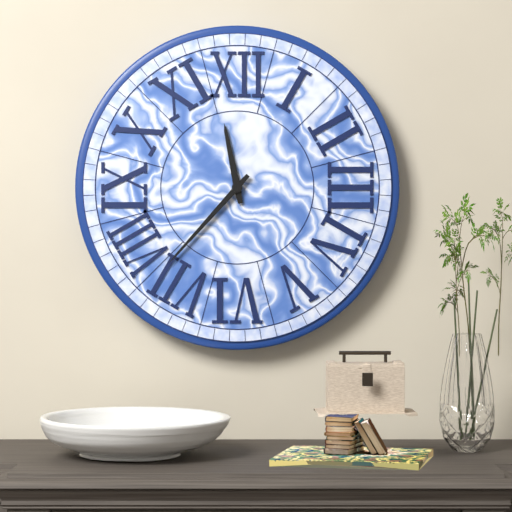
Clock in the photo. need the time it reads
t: 11:37
